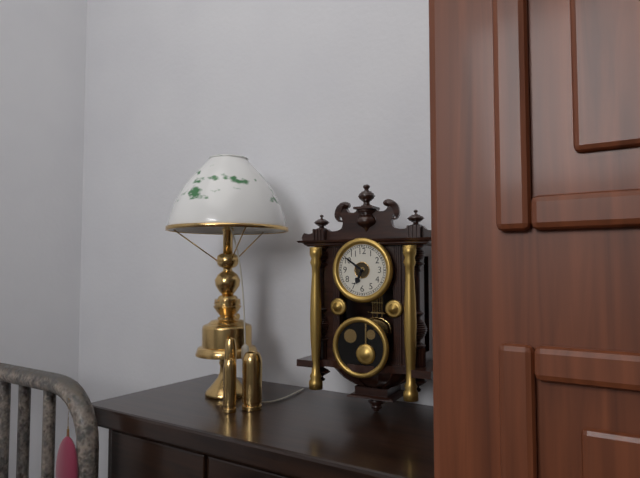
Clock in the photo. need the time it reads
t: 6:51
